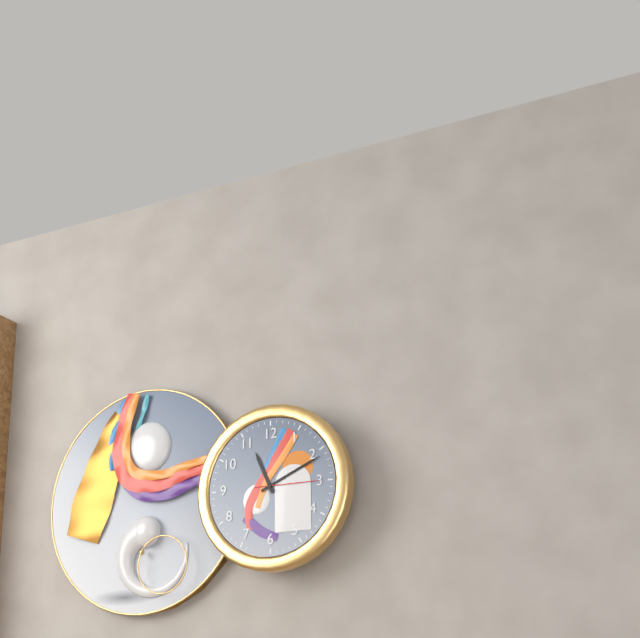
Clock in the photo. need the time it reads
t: 11:11:15
